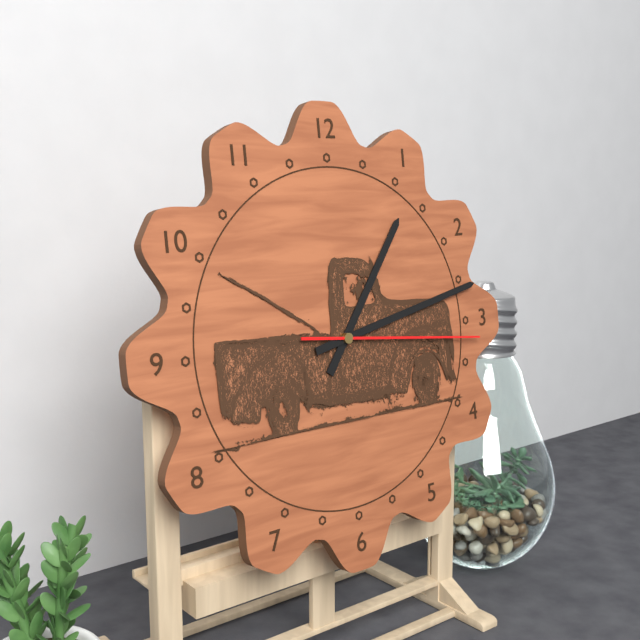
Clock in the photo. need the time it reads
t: 1:13:16
